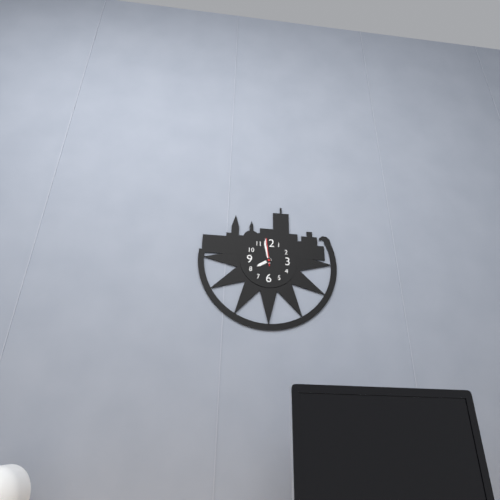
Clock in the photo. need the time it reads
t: 7:58
